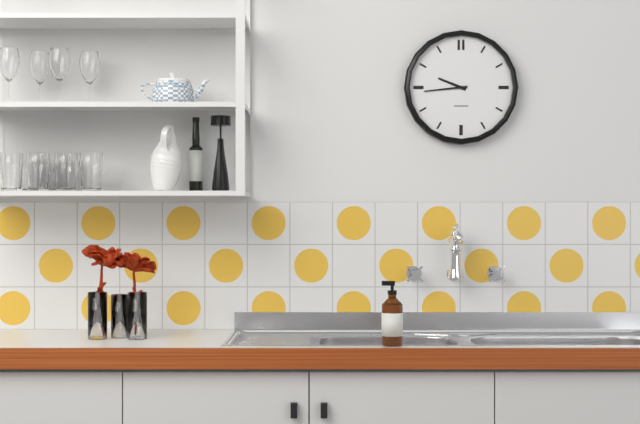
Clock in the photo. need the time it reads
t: 9:44
